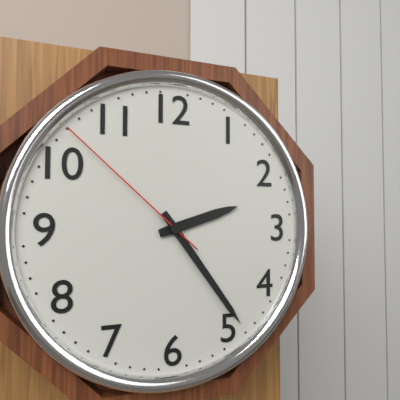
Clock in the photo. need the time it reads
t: 2:24:52
